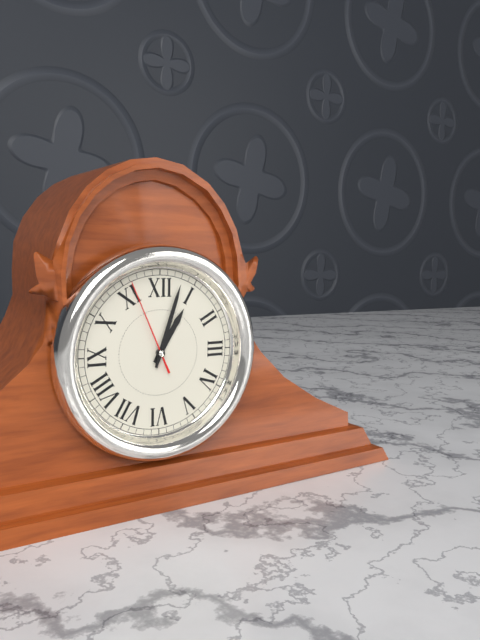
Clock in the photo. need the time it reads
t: 1:03:56
